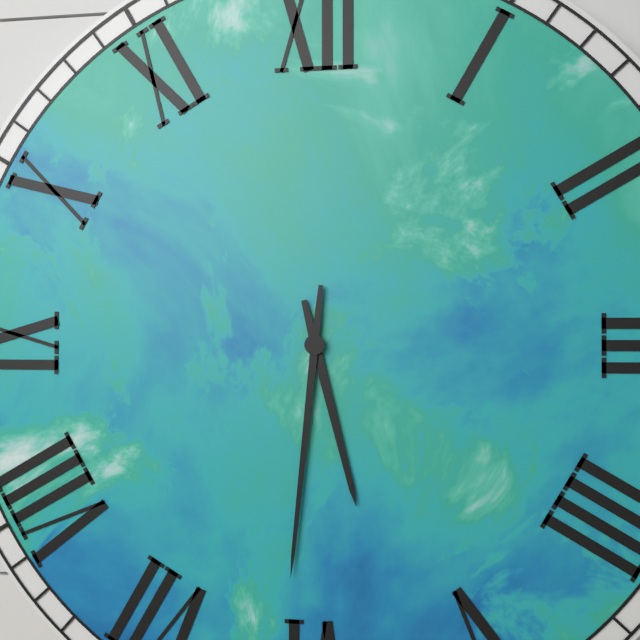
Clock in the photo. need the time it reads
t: 5:31
